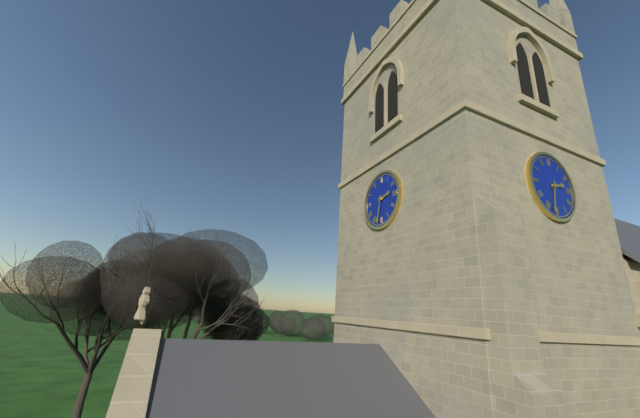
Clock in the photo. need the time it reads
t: 2:32
